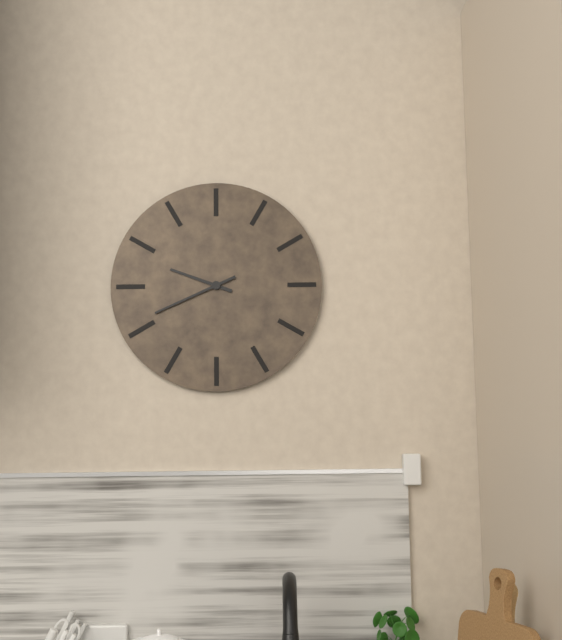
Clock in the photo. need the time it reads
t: 9:41
